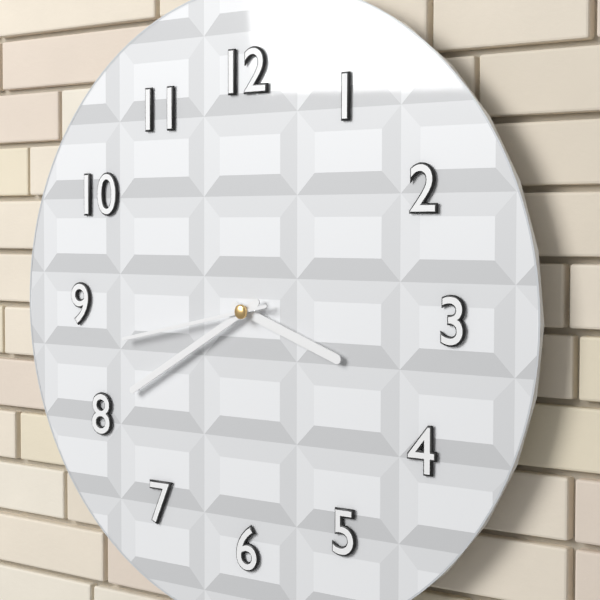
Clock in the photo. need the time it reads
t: 3:40:43
